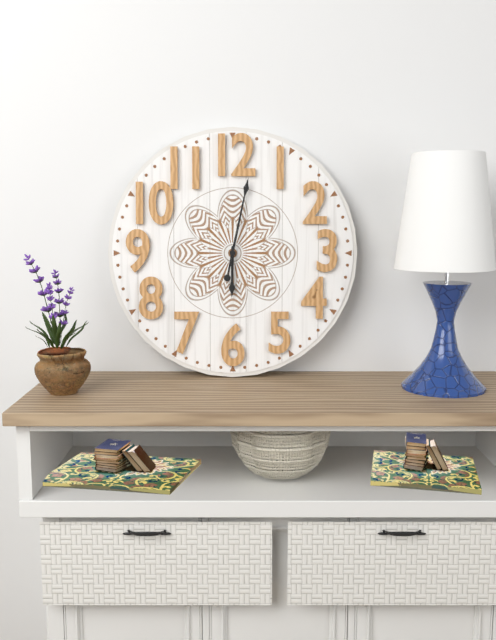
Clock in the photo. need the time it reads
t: 6:02
